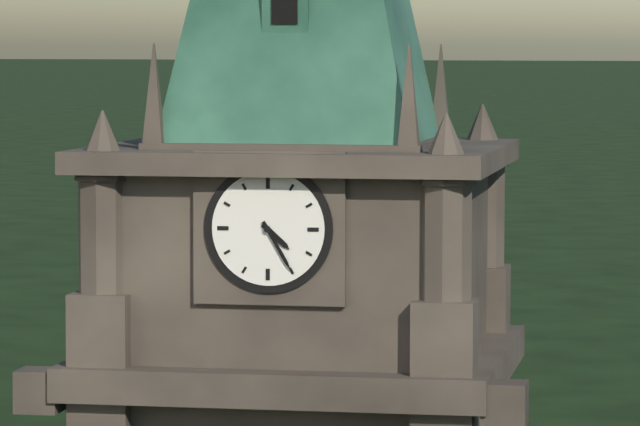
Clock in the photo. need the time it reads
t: 4:25
